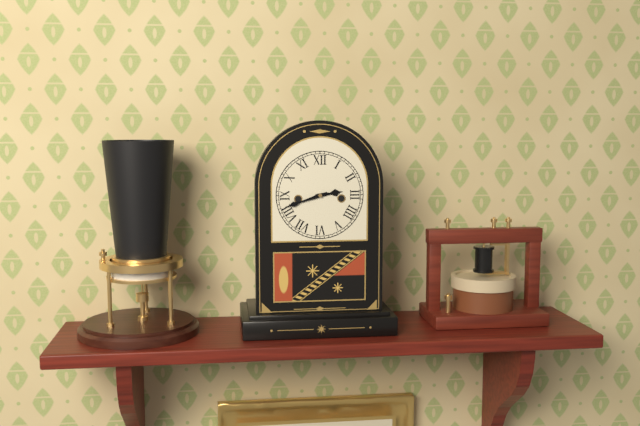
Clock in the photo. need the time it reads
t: 2:42
